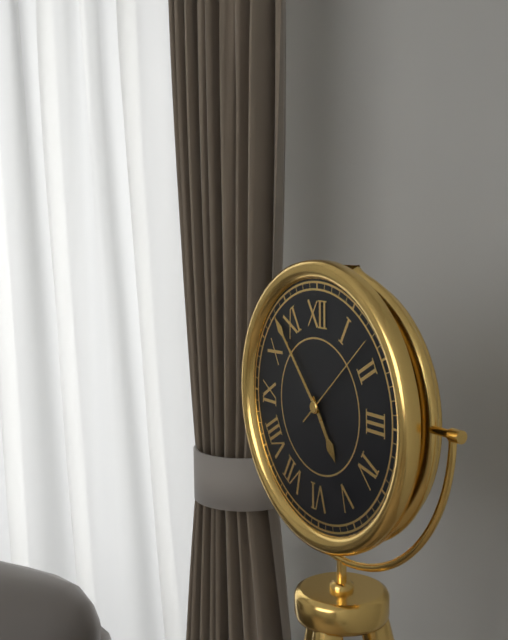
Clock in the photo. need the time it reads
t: 4:53:08
